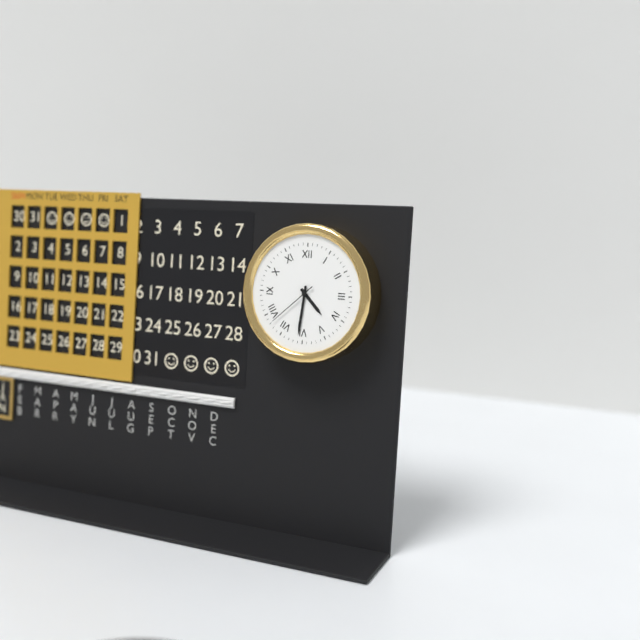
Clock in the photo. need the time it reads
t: 4:31:38
